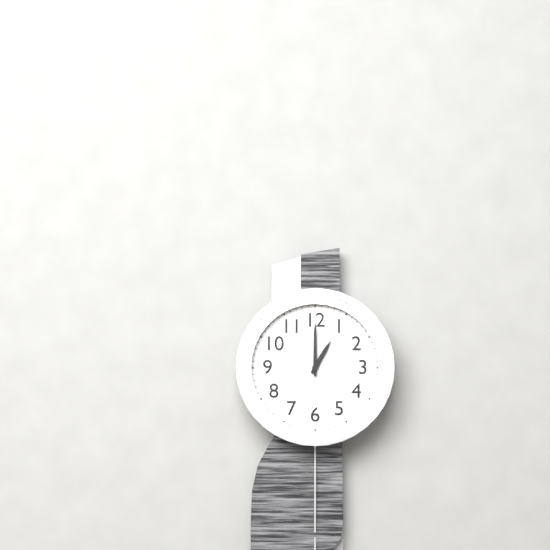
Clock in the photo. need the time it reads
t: 1:00
